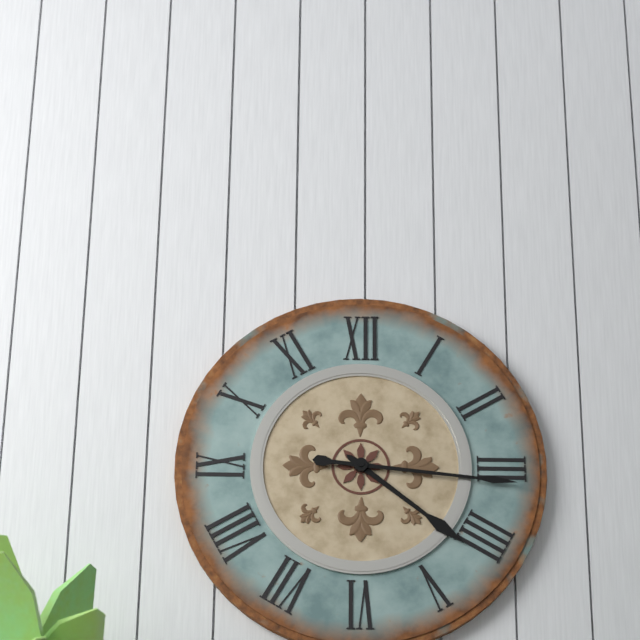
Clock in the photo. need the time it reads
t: 4:16
